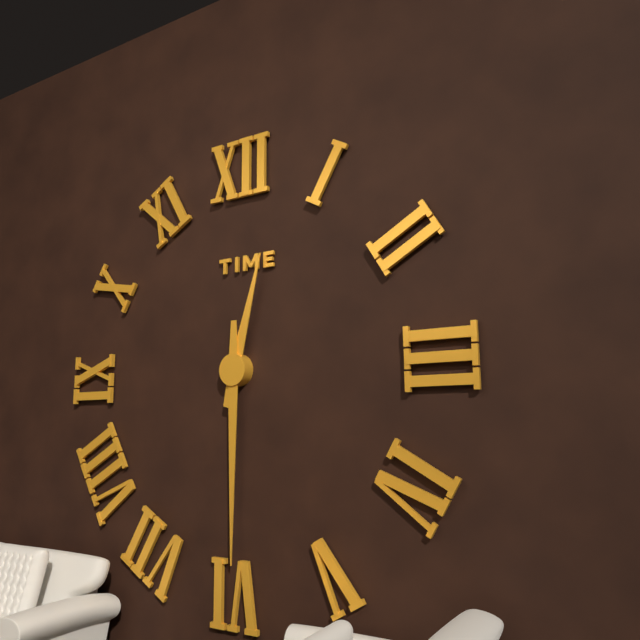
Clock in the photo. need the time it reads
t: 12:30
